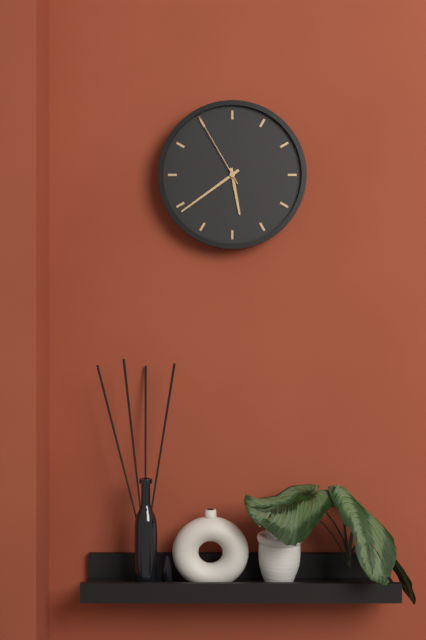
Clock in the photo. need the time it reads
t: 5:39:55
